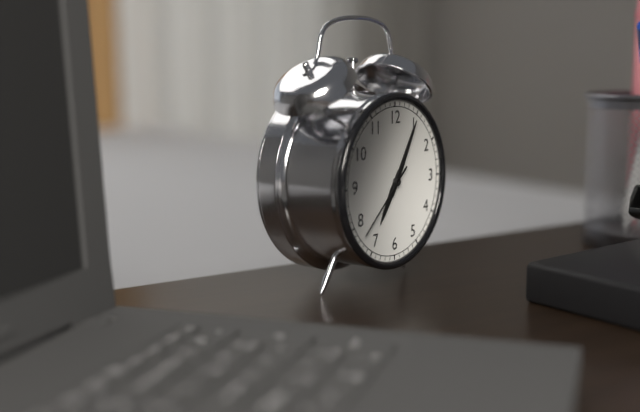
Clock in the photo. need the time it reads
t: 7:05:38
